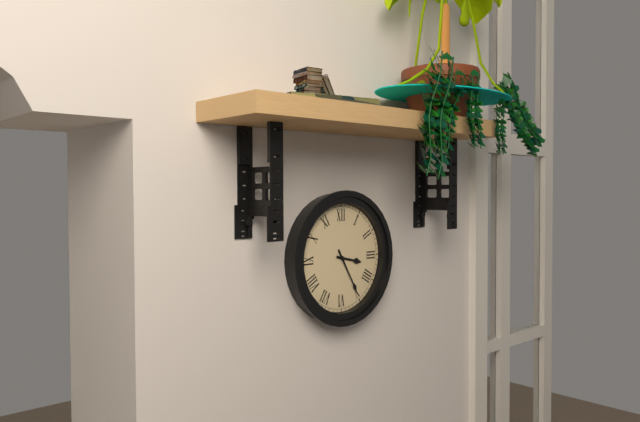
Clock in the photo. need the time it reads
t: 3:25
